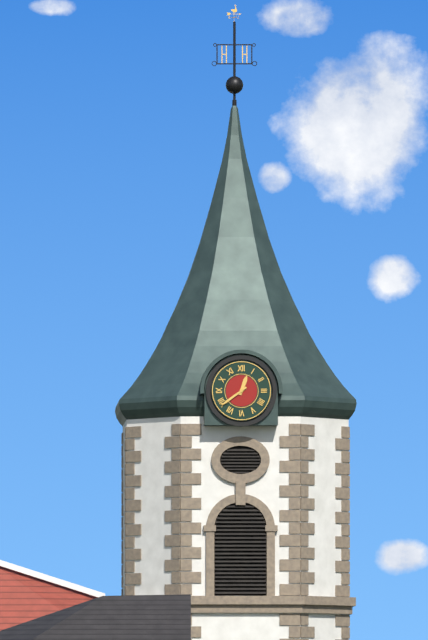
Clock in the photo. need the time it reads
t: 12:39
